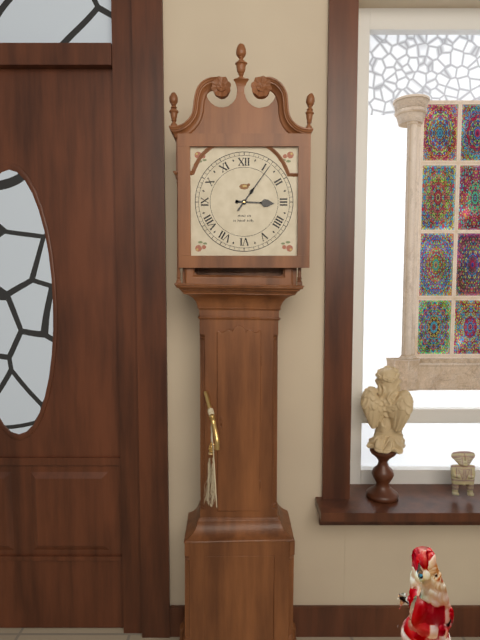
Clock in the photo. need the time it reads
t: 3:06
